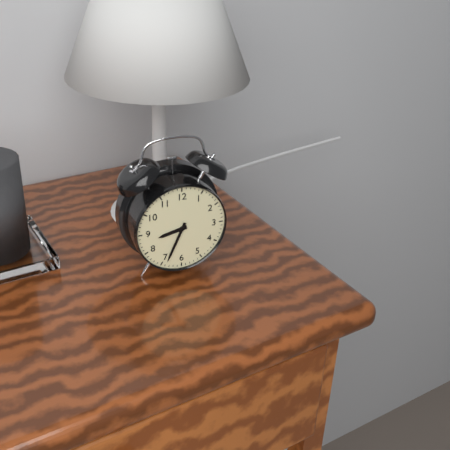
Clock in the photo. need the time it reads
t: 8:34
